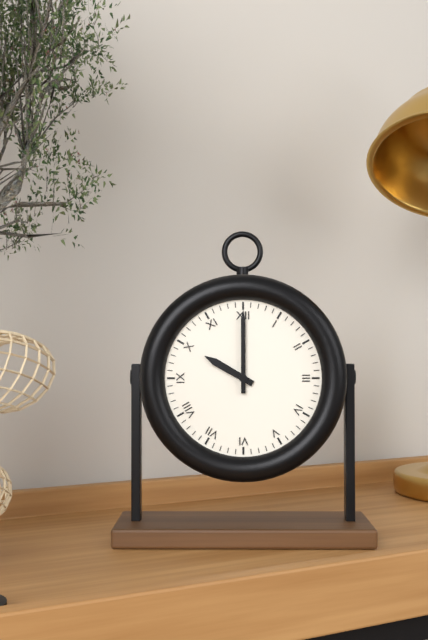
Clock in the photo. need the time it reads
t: 10:00
